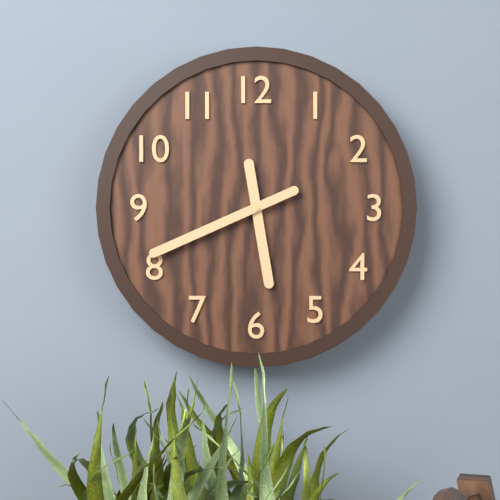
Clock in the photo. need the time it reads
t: 5:41
